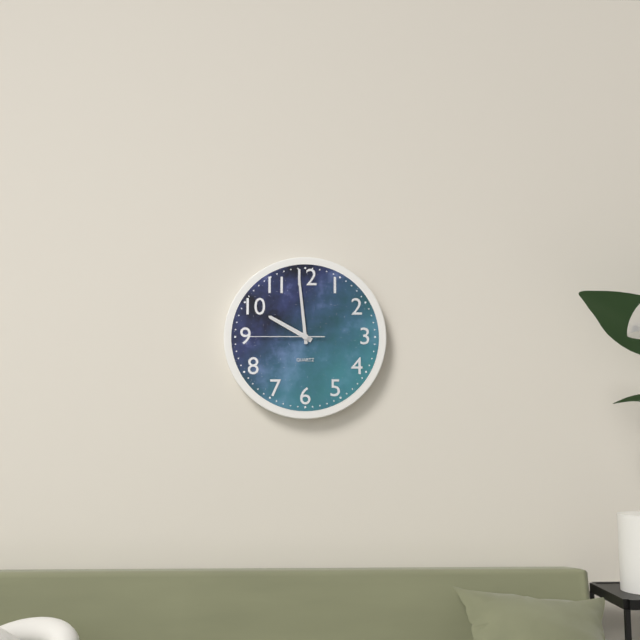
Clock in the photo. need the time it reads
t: 9:59:45
